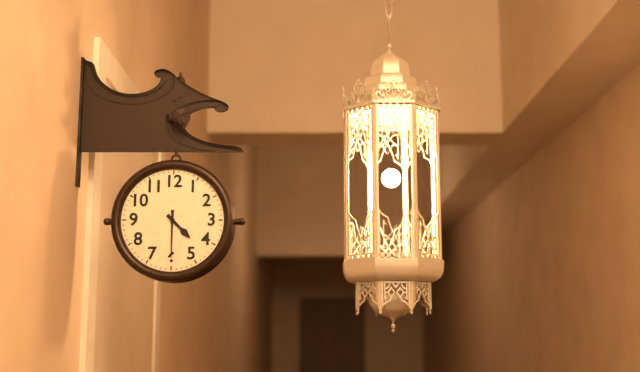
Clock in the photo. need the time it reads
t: 4:30
